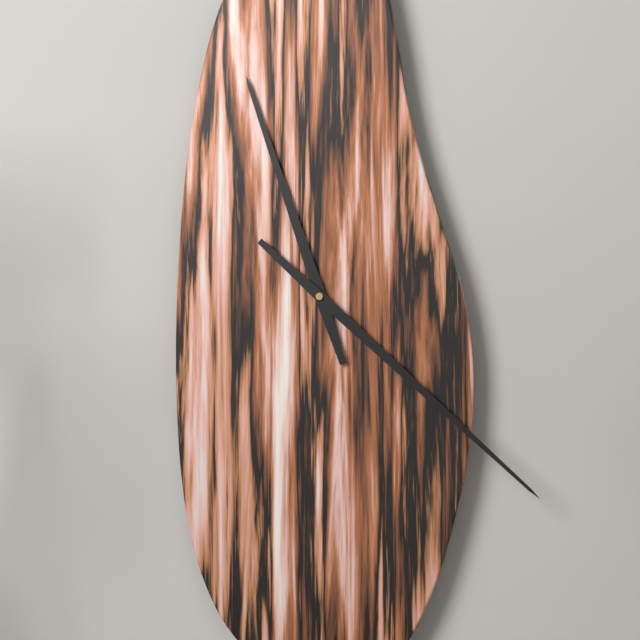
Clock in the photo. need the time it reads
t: 11:22
